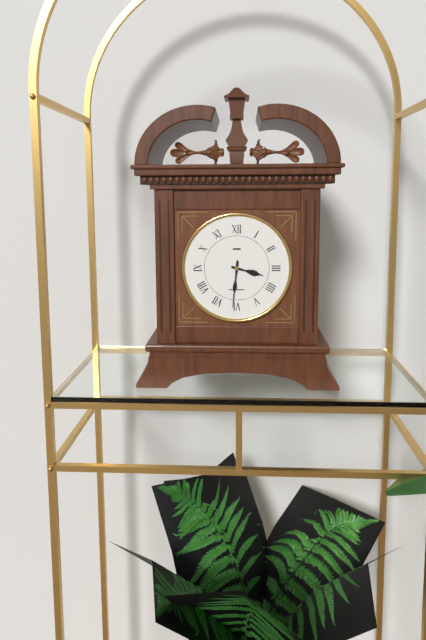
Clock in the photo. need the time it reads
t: 3:31
